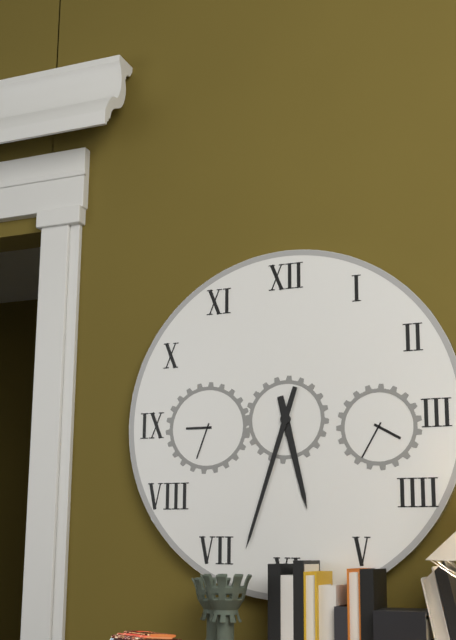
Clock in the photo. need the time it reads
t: 5:33
